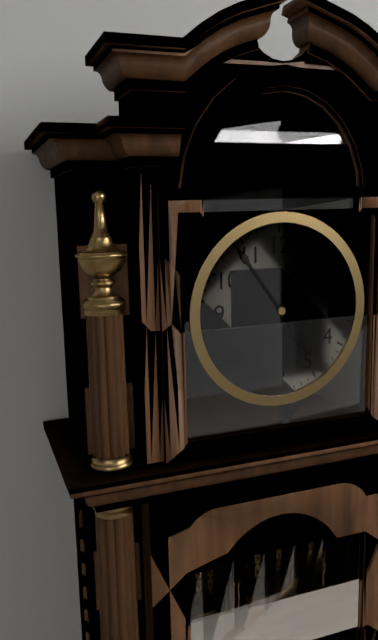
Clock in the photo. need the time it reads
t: 4:54
